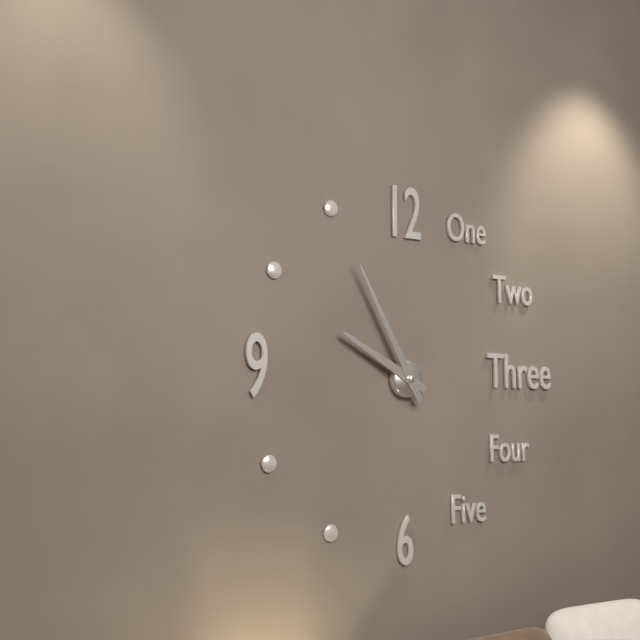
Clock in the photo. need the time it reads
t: 9:55
